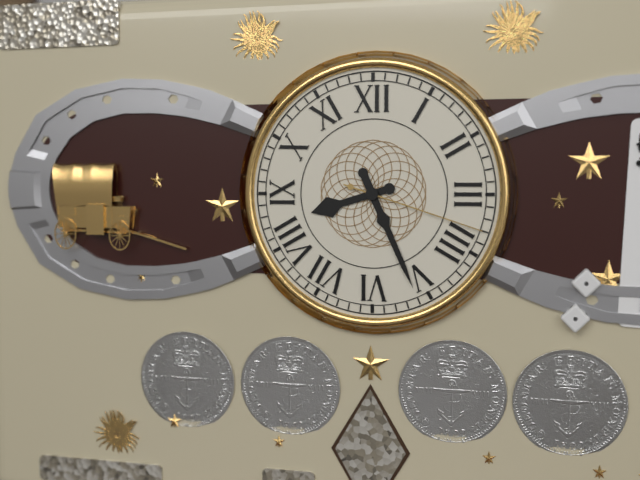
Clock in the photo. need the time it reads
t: 8:26:18
